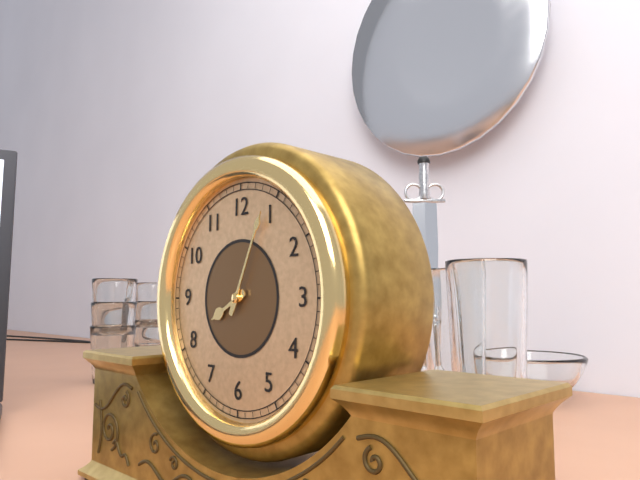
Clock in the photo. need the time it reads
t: 8:04
